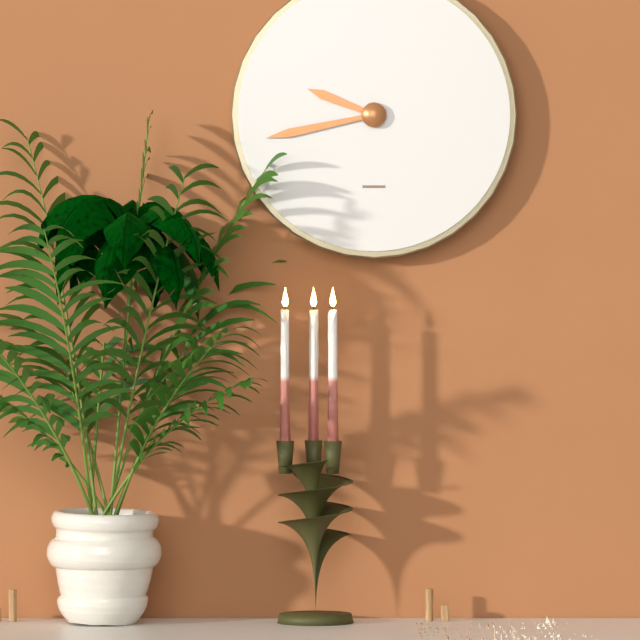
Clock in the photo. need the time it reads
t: 9:43
